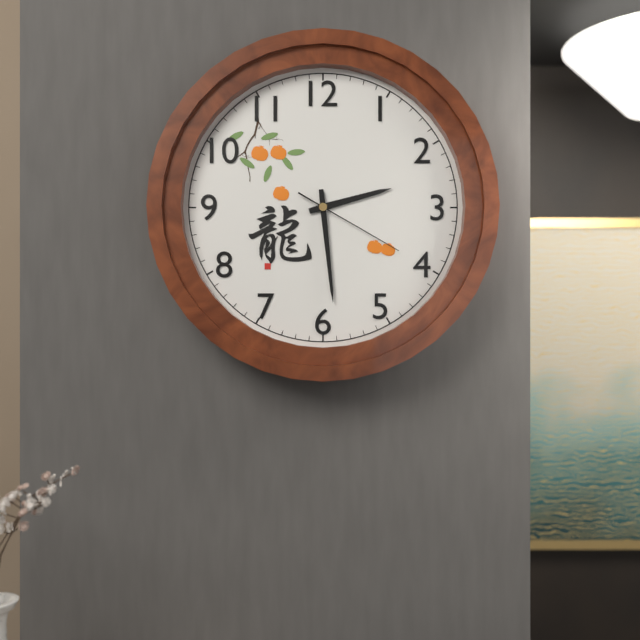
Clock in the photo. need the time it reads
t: 2:29:20
